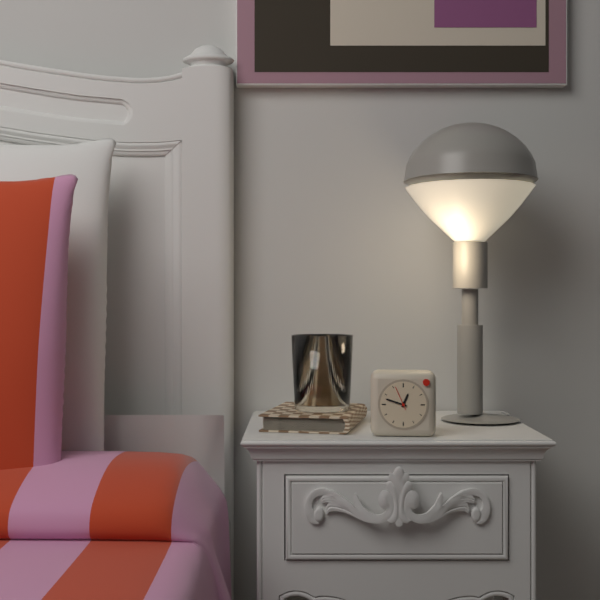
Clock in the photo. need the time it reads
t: 12:48
